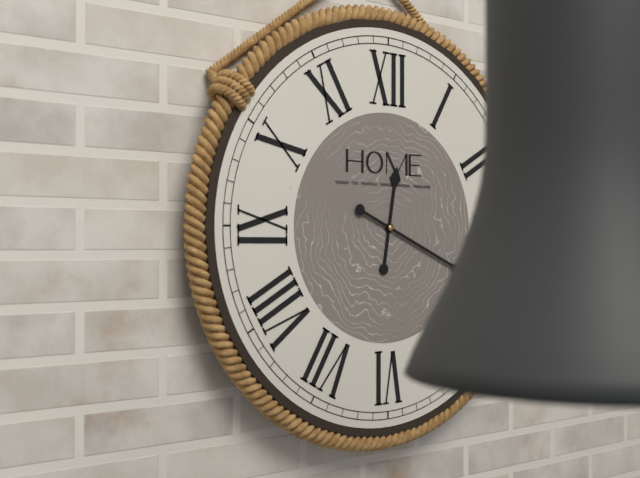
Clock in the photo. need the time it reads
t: 12:19
